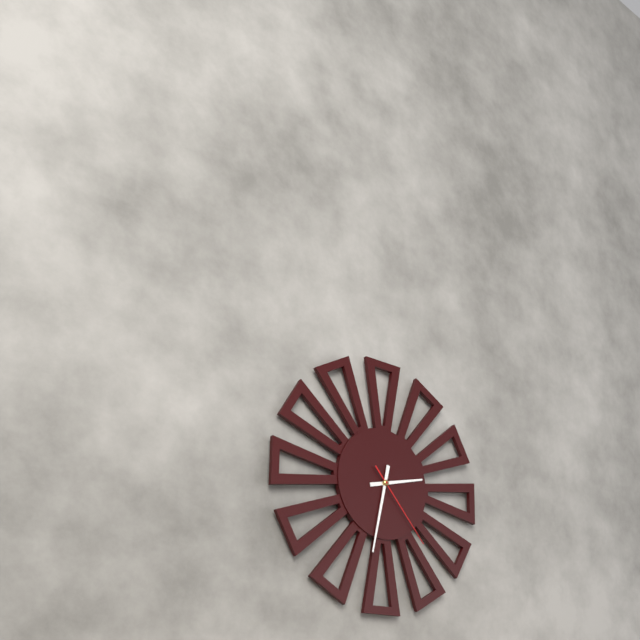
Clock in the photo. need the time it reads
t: 2:32:23
